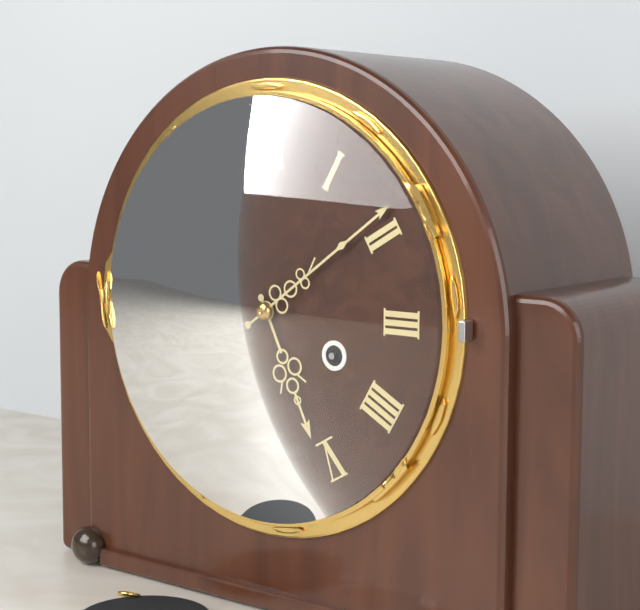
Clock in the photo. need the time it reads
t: 5:09
